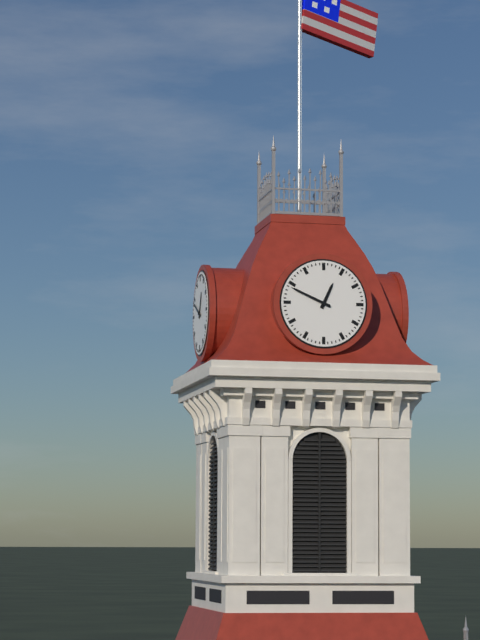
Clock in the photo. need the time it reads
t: 12:49
